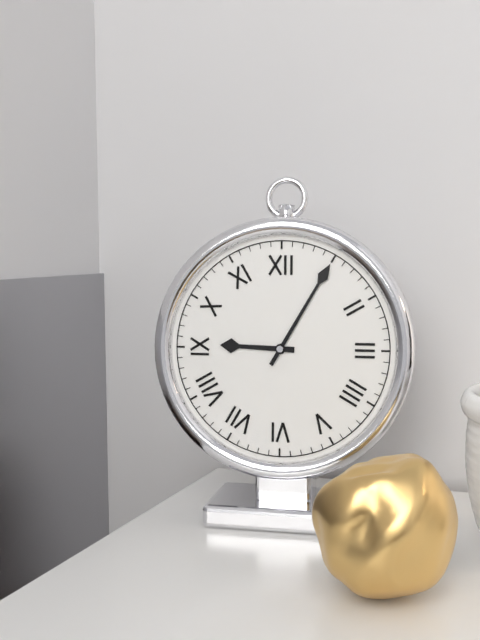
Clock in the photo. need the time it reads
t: 9:05
